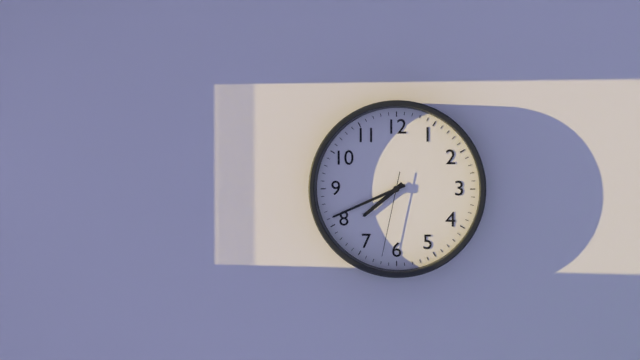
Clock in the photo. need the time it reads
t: 7:41:32
